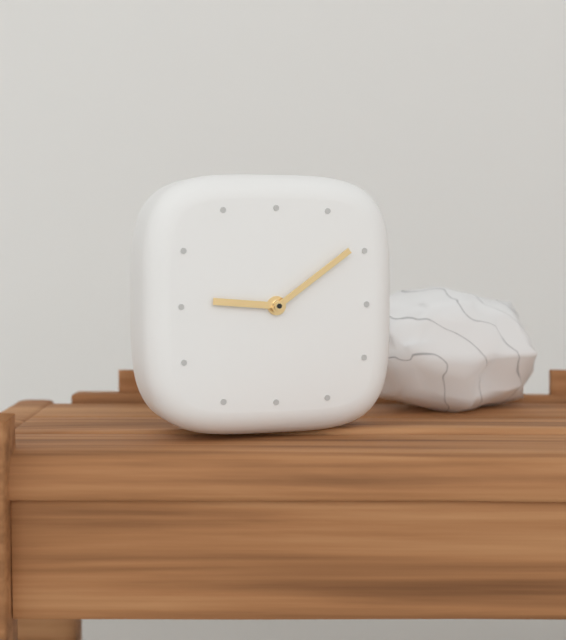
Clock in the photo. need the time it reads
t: 9:09
